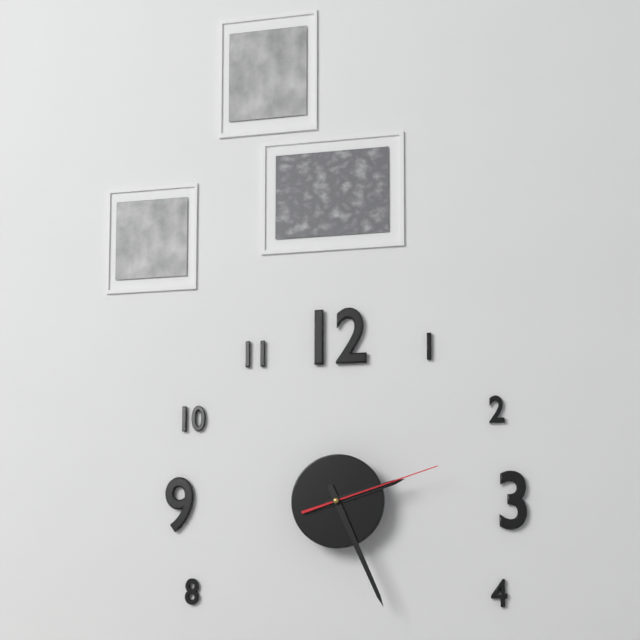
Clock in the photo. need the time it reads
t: 2:26:12
